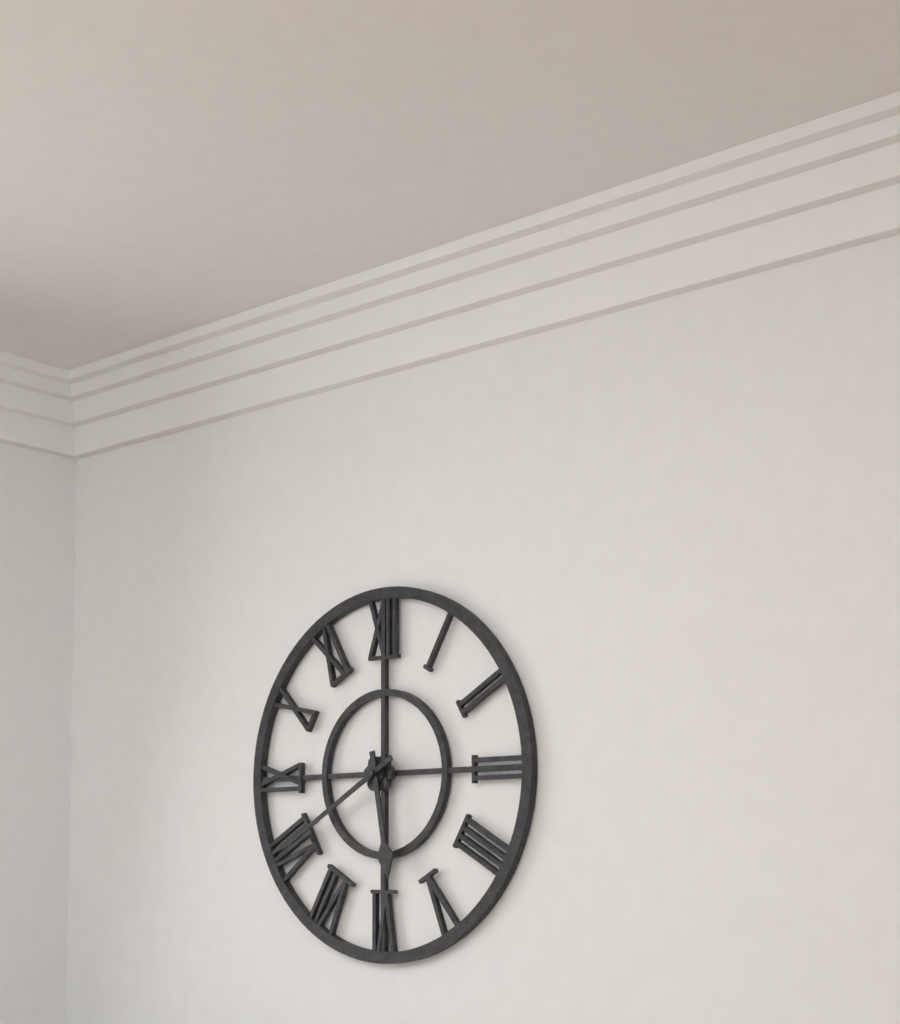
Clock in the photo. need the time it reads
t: 5:40
